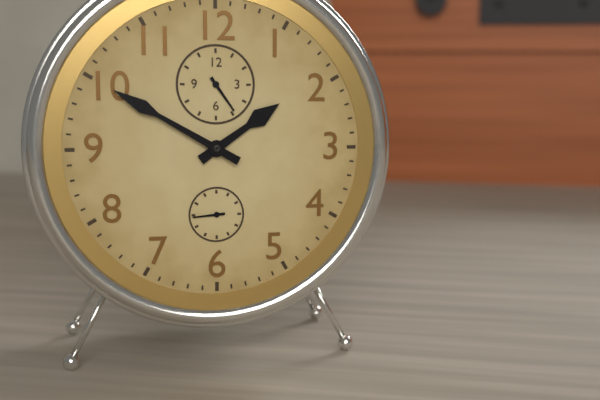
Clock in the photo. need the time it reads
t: 1:50
